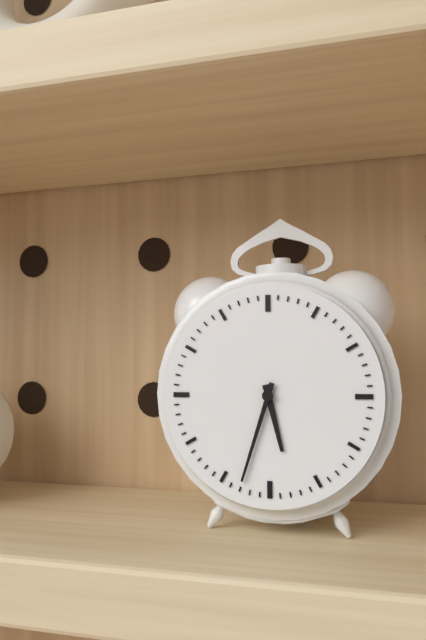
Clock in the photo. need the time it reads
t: 5:33
